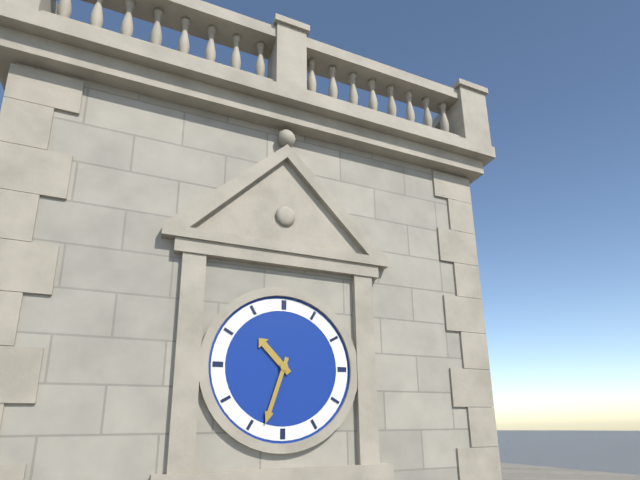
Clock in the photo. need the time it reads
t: 10:33
